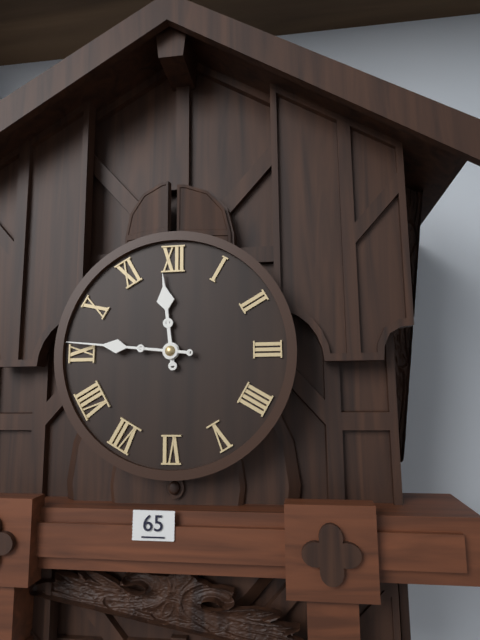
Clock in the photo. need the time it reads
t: 11:46
